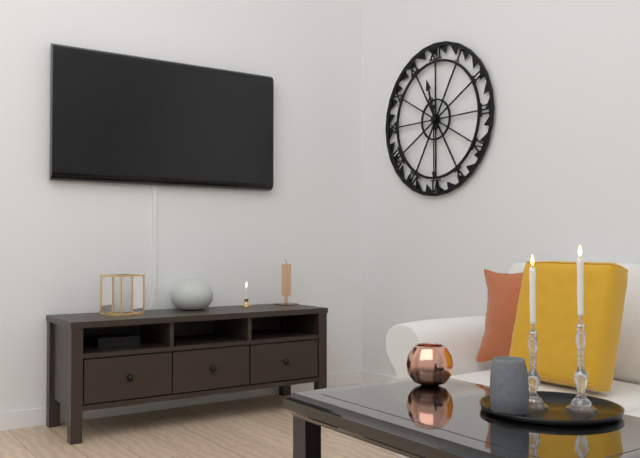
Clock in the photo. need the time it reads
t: 11:30
